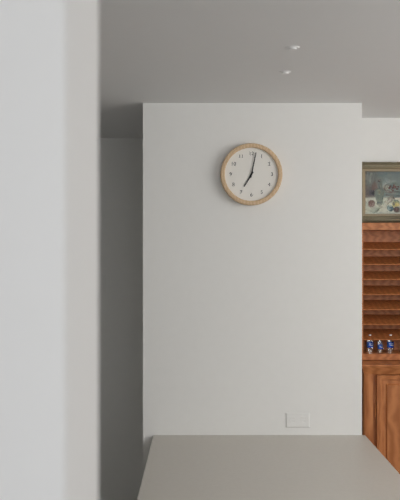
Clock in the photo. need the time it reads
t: 7:02
